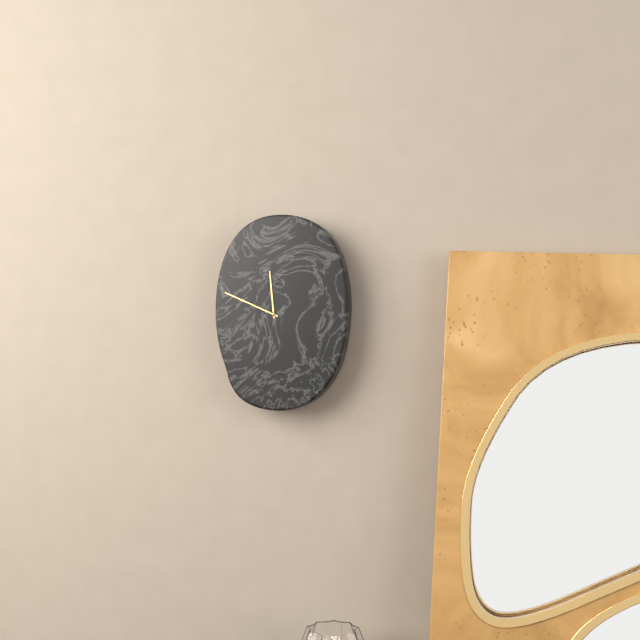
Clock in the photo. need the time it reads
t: 11:49
